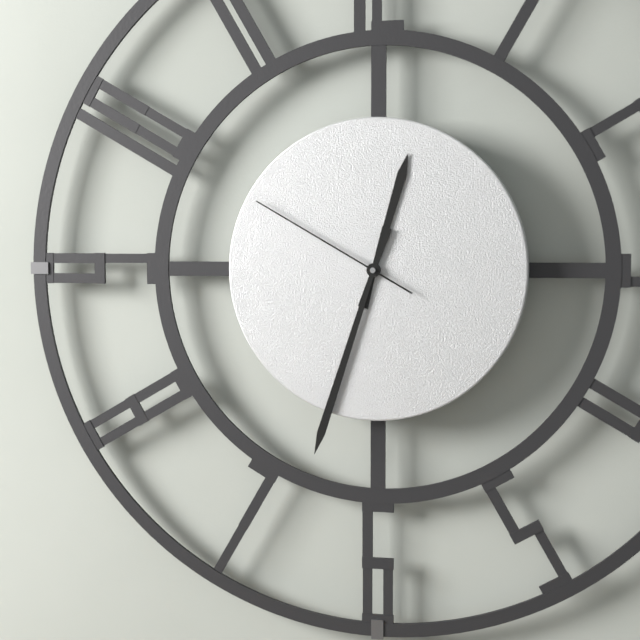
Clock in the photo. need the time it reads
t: 12:33:50
